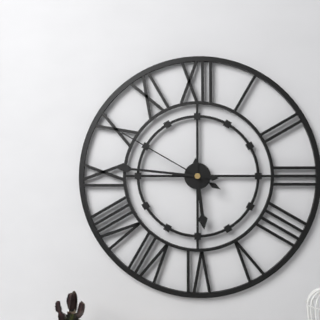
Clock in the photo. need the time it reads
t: 5:46:50
